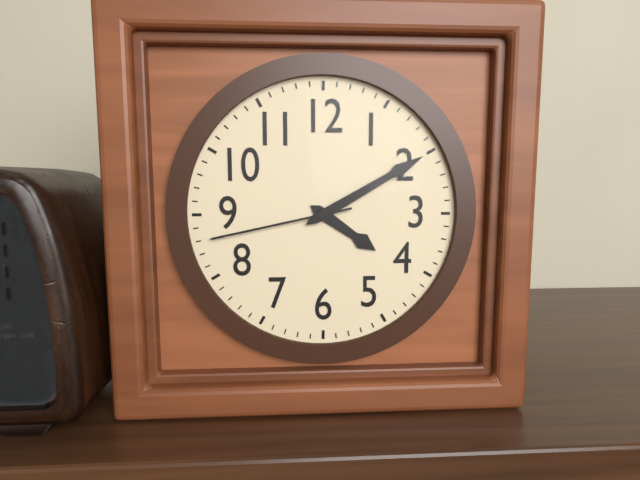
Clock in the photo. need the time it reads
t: 4:10:43
